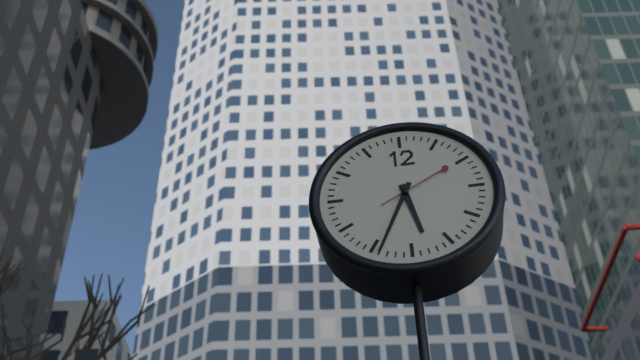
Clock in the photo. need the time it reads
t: 5:34:10
